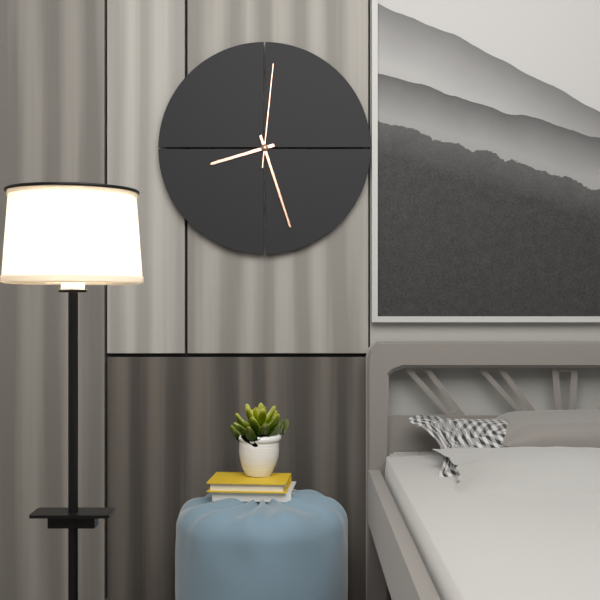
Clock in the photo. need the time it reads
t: 8:27:01
